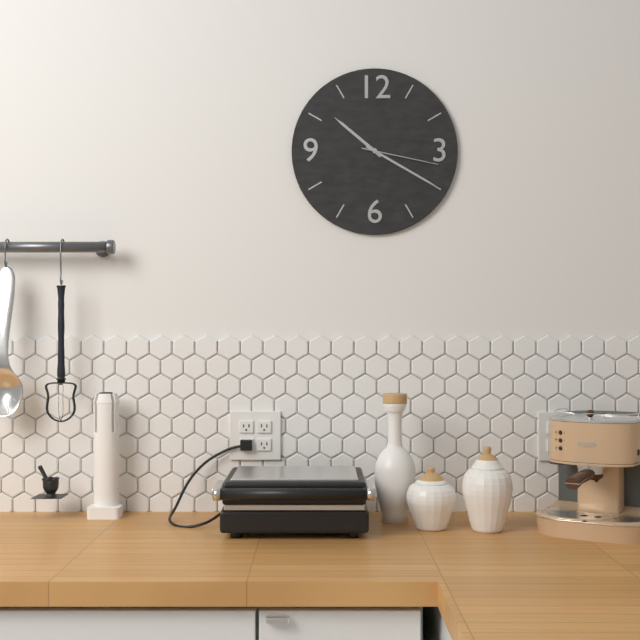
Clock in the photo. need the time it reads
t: 10:20:17
